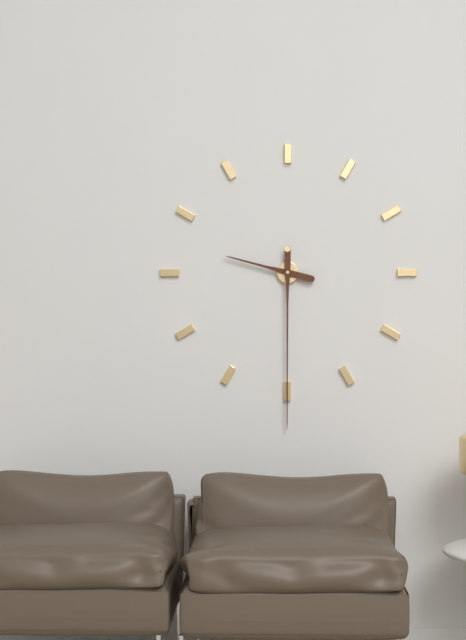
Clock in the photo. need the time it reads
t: 9:30
